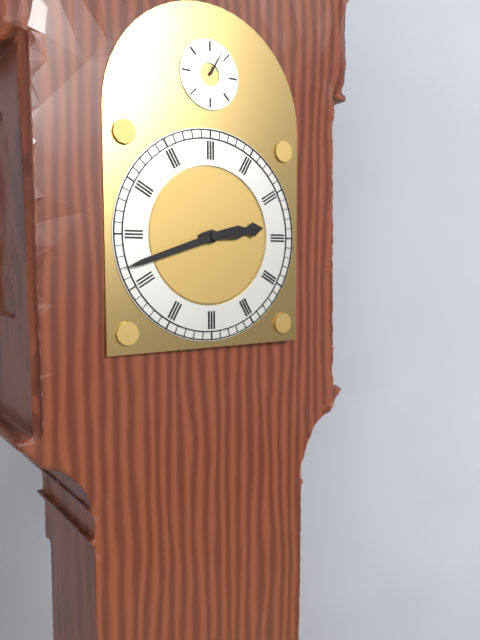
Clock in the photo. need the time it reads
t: 2:42
